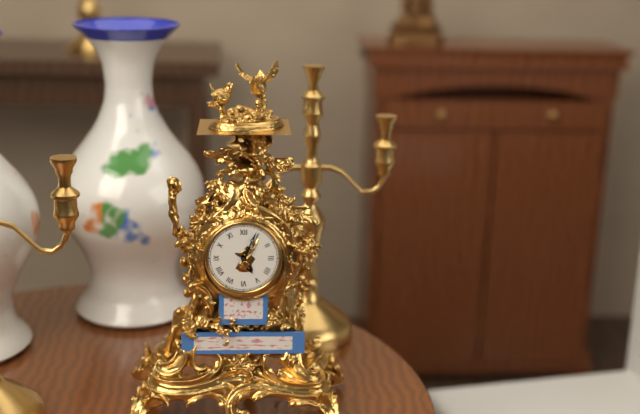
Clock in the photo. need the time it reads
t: 5:04
